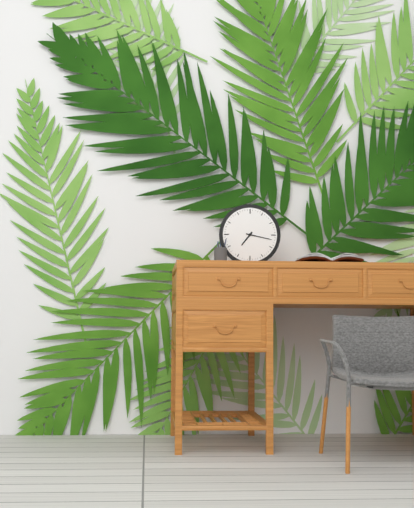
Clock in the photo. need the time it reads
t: 7:17
